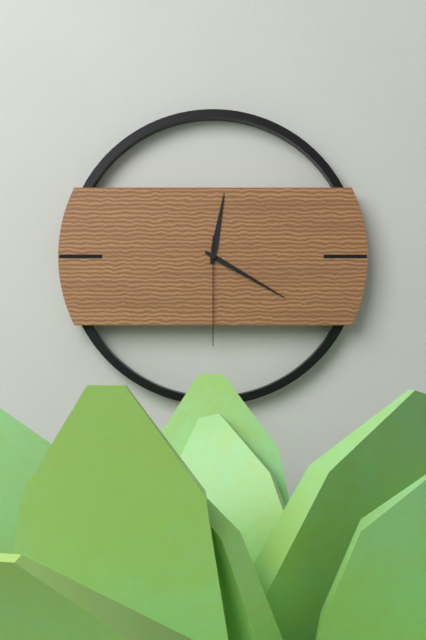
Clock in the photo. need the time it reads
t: 12:20:30
